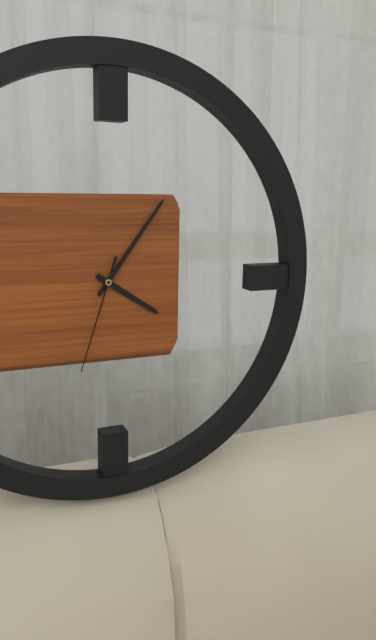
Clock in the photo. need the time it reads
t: 4:06:33
